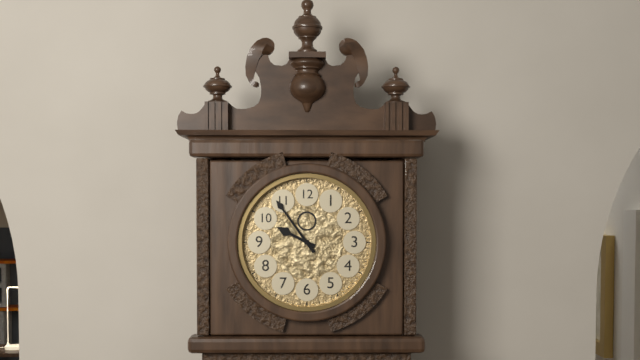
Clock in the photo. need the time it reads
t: 9:54
